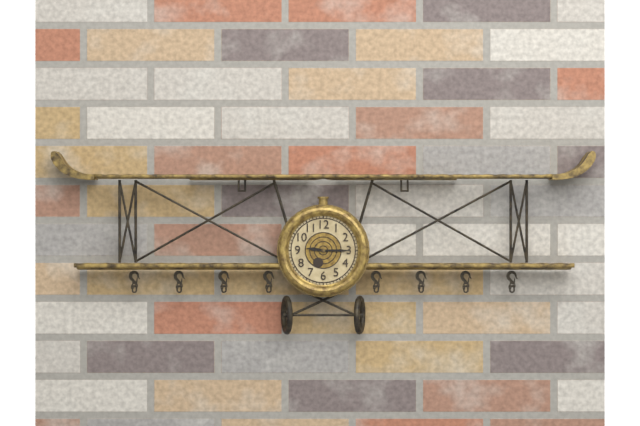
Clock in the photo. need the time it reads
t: 9:15
